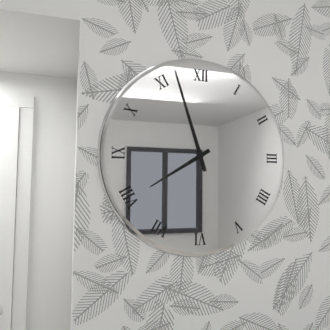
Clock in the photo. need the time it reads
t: 7:57
